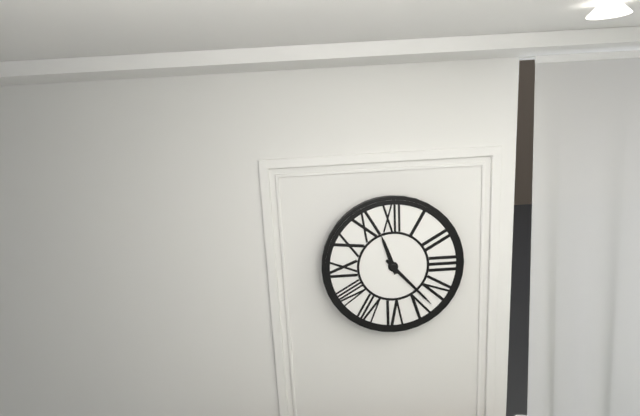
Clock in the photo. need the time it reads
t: 11:23
